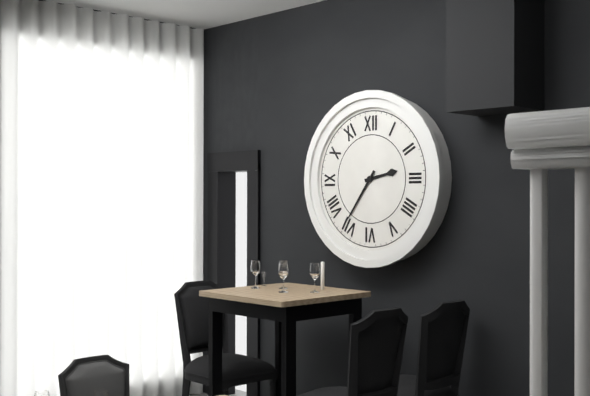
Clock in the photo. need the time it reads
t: 2:36
